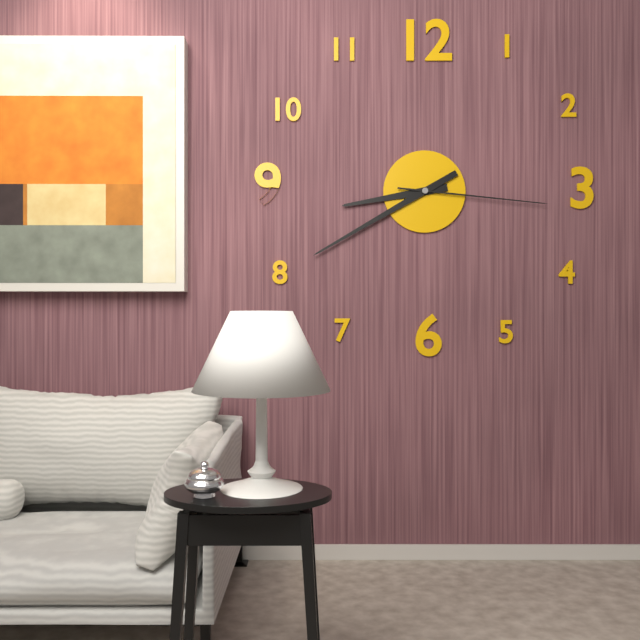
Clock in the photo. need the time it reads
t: 8:40:16
